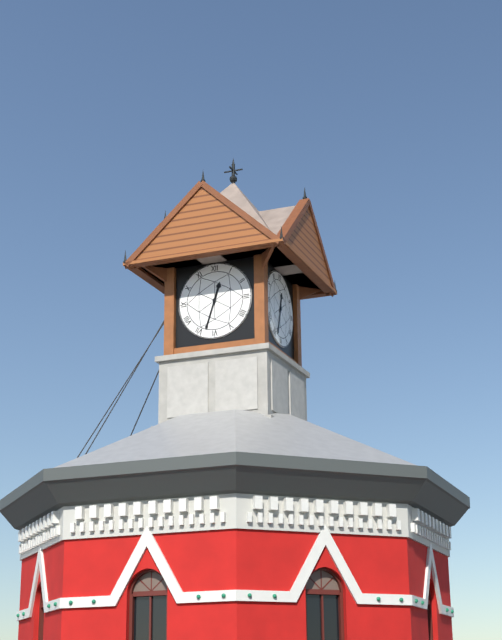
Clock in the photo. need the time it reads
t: 12:33
